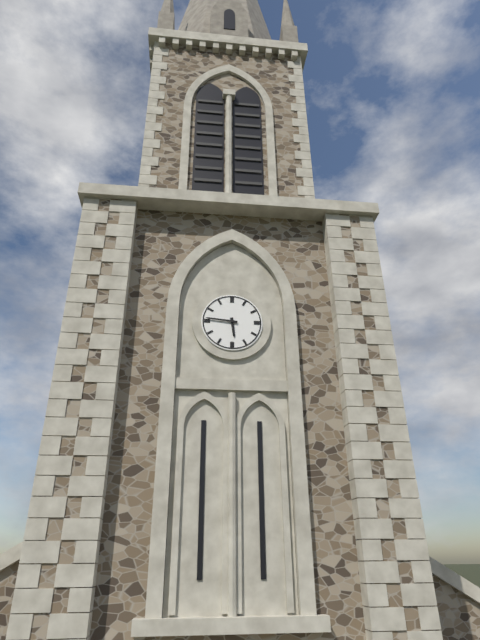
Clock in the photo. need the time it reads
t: 5:46
